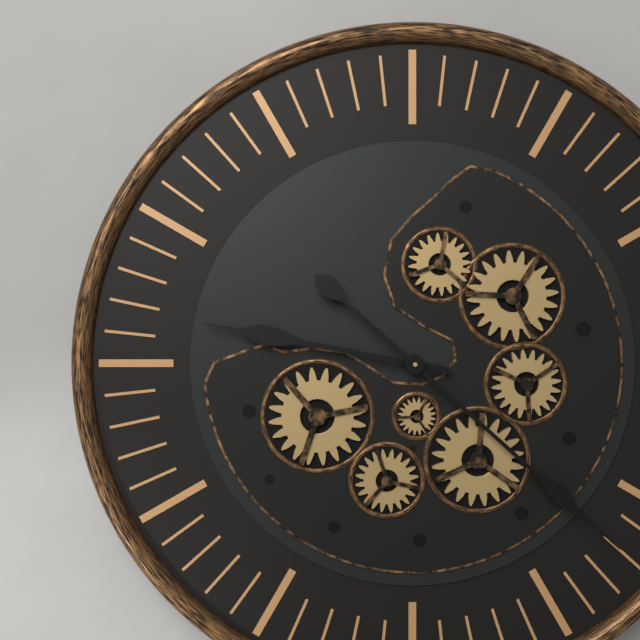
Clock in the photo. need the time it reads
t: 9:22
